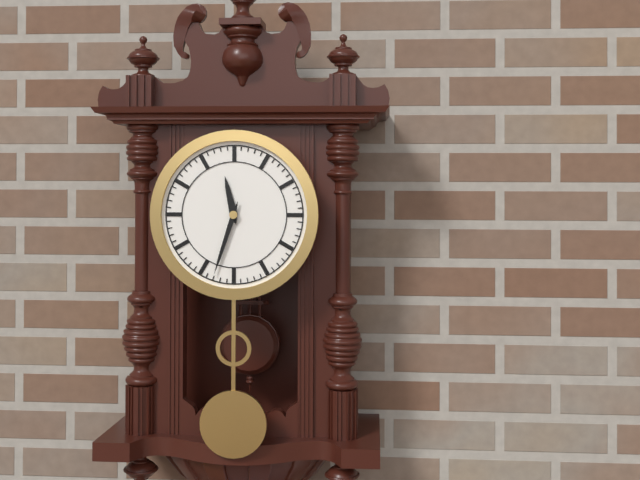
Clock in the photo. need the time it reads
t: 11:33
